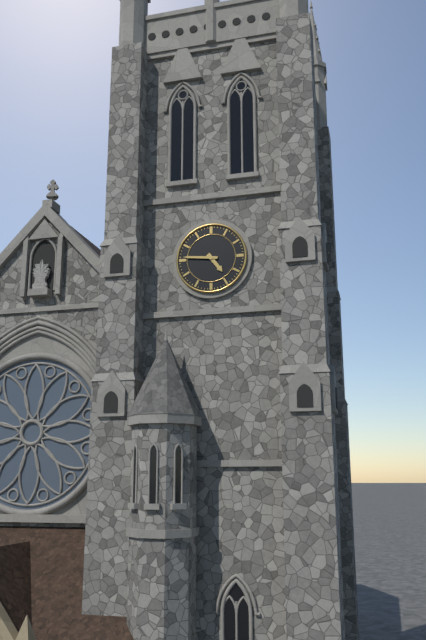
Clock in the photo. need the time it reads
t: 4:46
